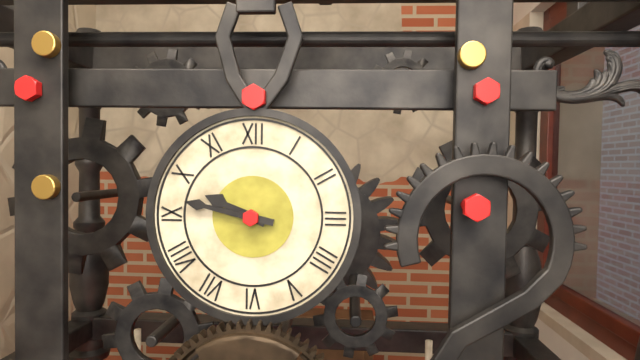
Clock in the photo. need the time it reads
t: 9:47
